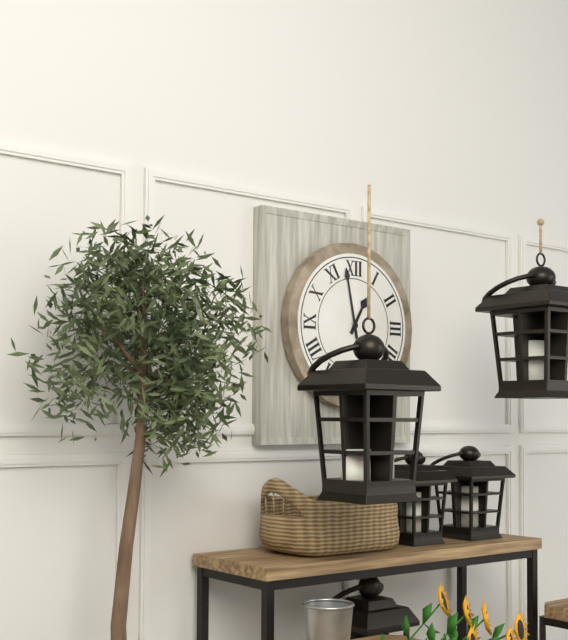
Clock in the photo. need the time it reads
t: 12:58
